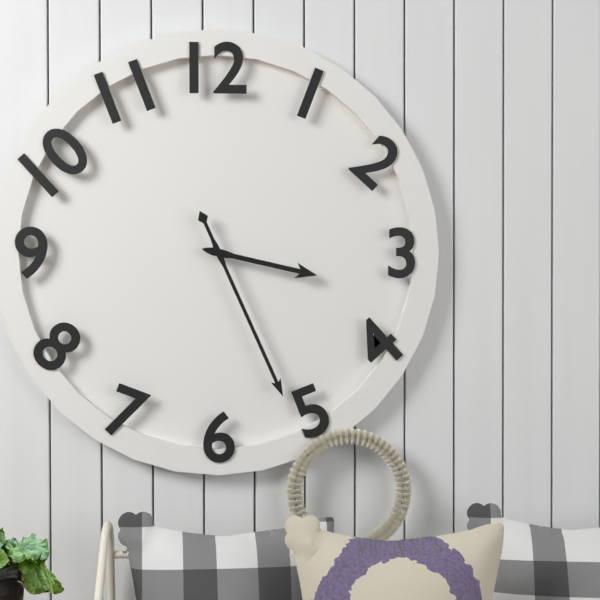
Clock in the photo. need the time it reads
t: 3:26
